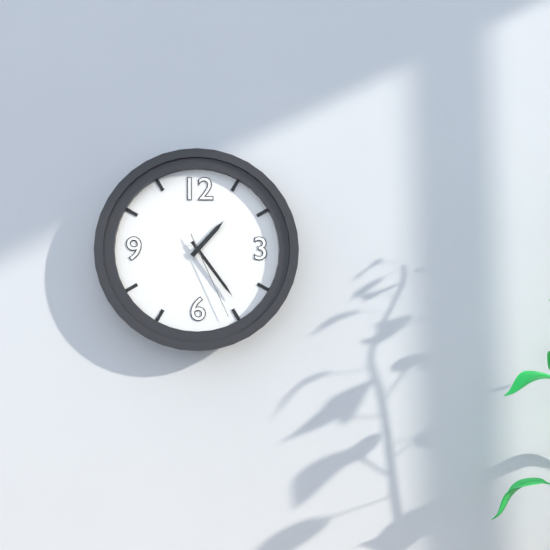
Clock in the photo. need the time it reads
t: 1:24:26
